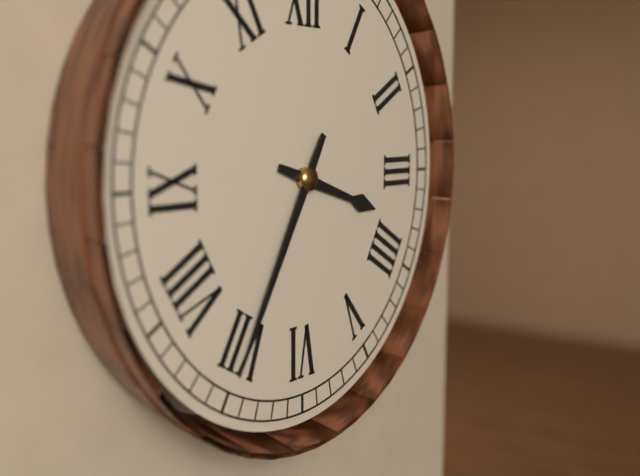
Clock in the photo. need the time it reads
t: 3:35
